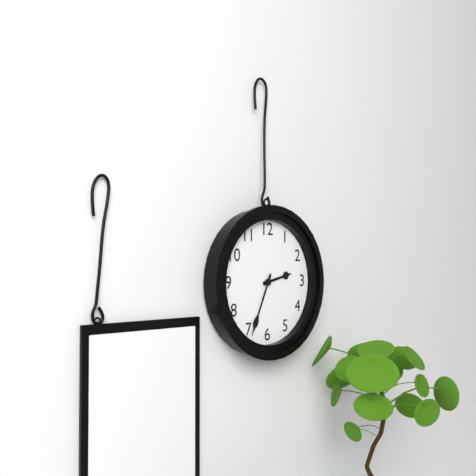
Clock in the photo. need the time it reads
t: 2:34
